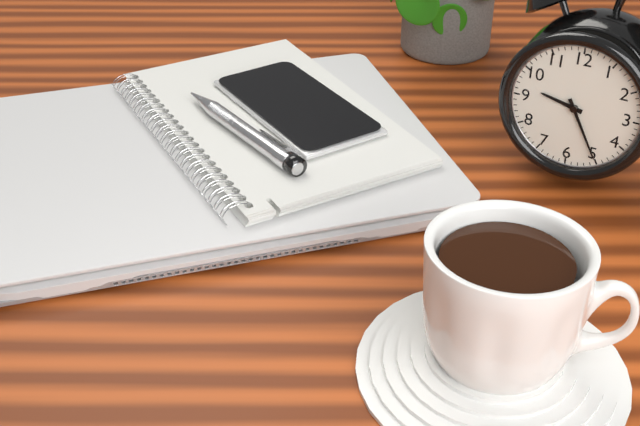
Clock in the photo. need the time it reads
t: 9:25
